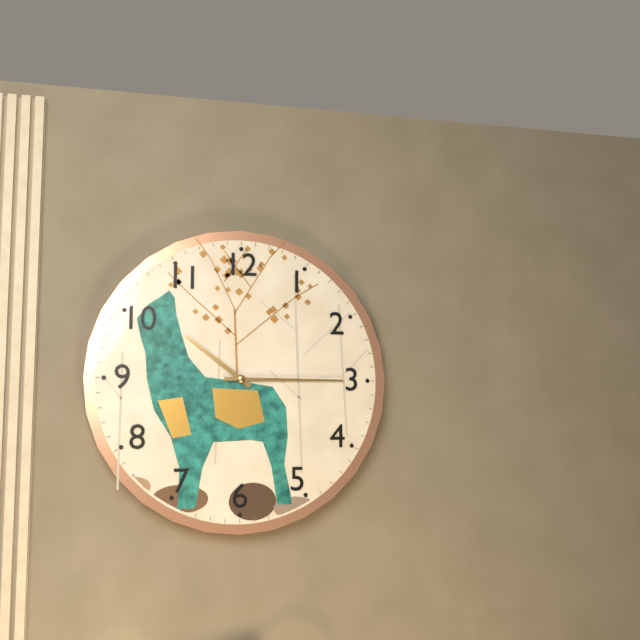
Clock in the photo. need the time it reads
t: 10:15
